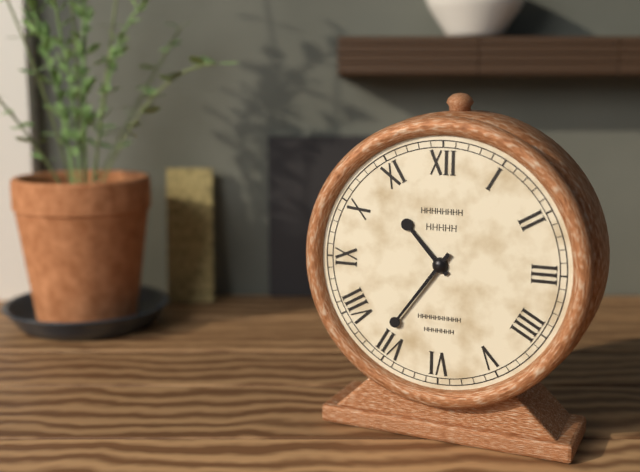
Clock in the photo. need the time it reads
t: 10:36
